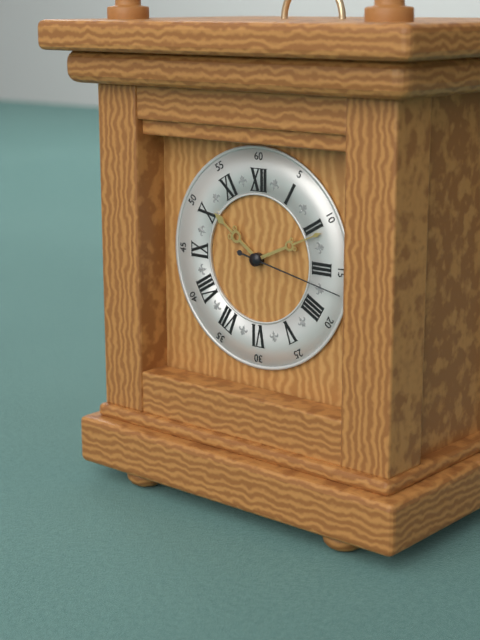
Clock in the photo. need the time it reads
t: 10:11:17
